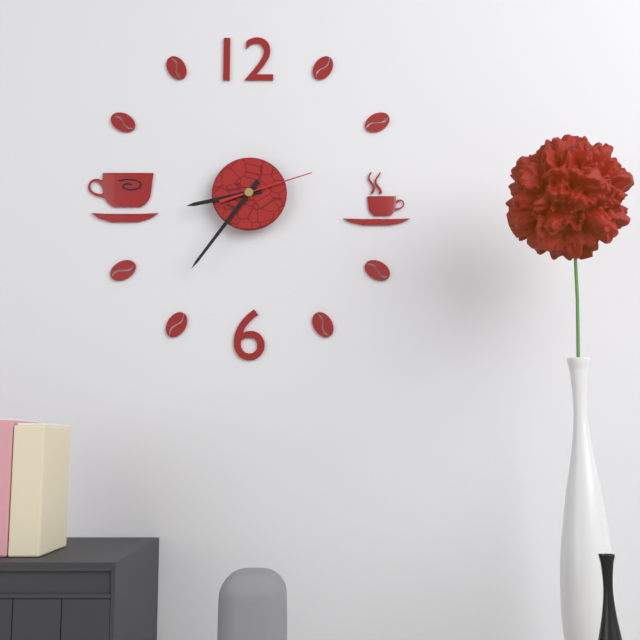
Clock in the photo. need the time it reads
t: 8:36:12
